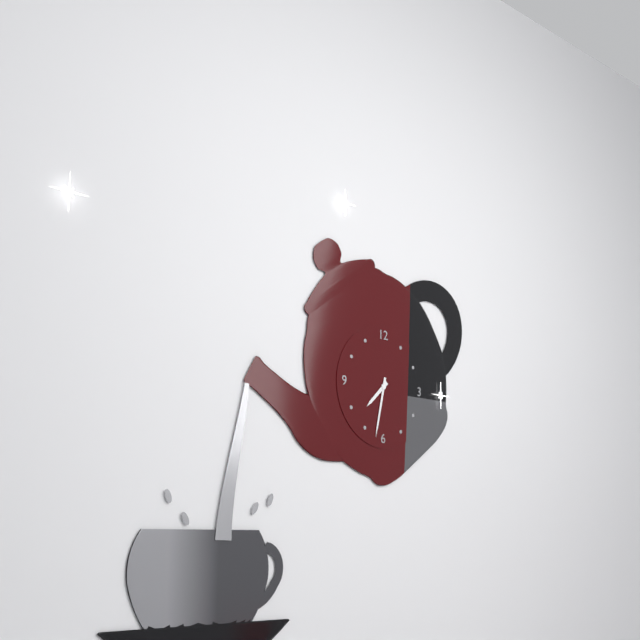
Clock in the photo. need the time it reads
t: 7:32
